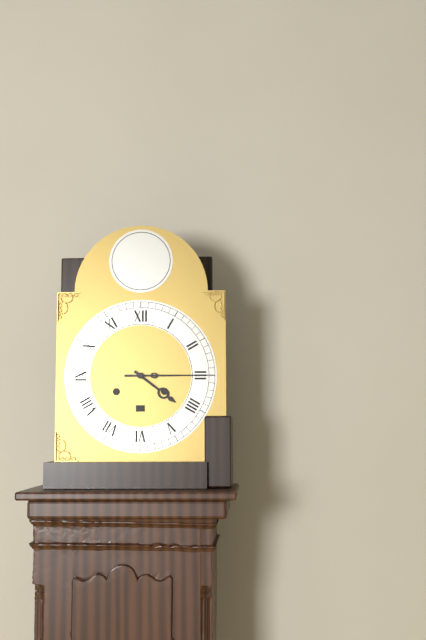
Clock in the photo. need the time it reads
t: 4:15
